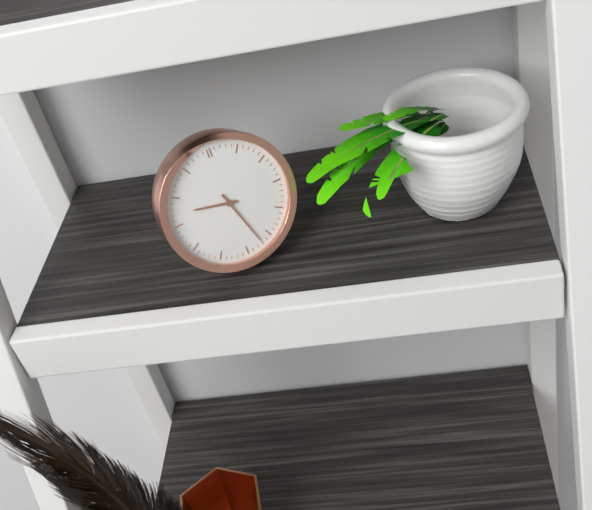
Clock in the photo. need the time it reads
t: 9:27
